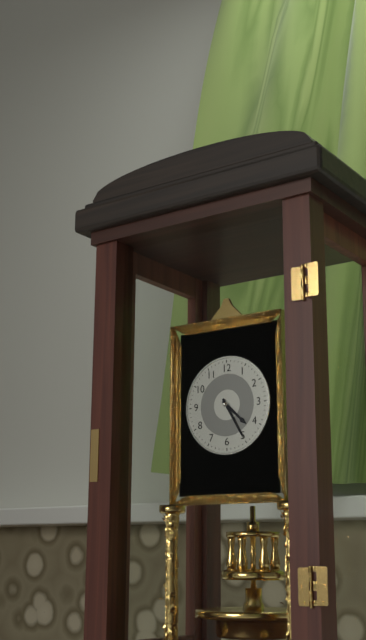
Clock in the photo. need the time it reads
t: 4:25
